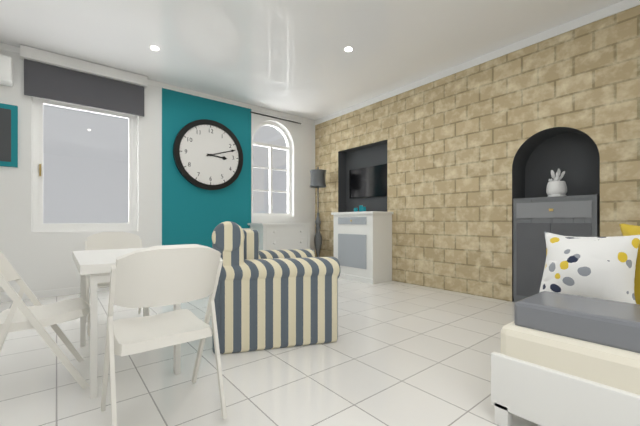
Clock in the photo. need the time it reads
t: 3:12
